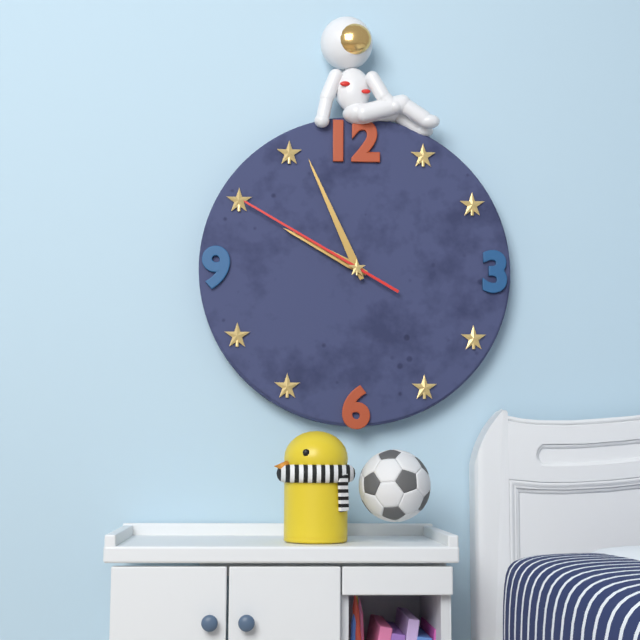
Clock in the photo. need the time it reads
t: 9:56:50
